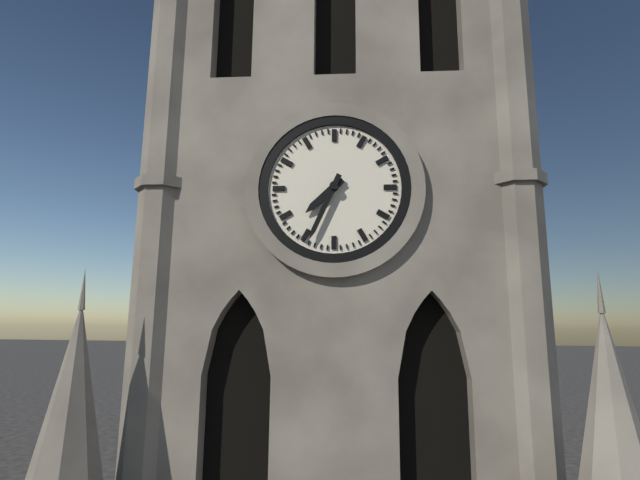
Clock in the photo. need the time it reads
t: 7:34
